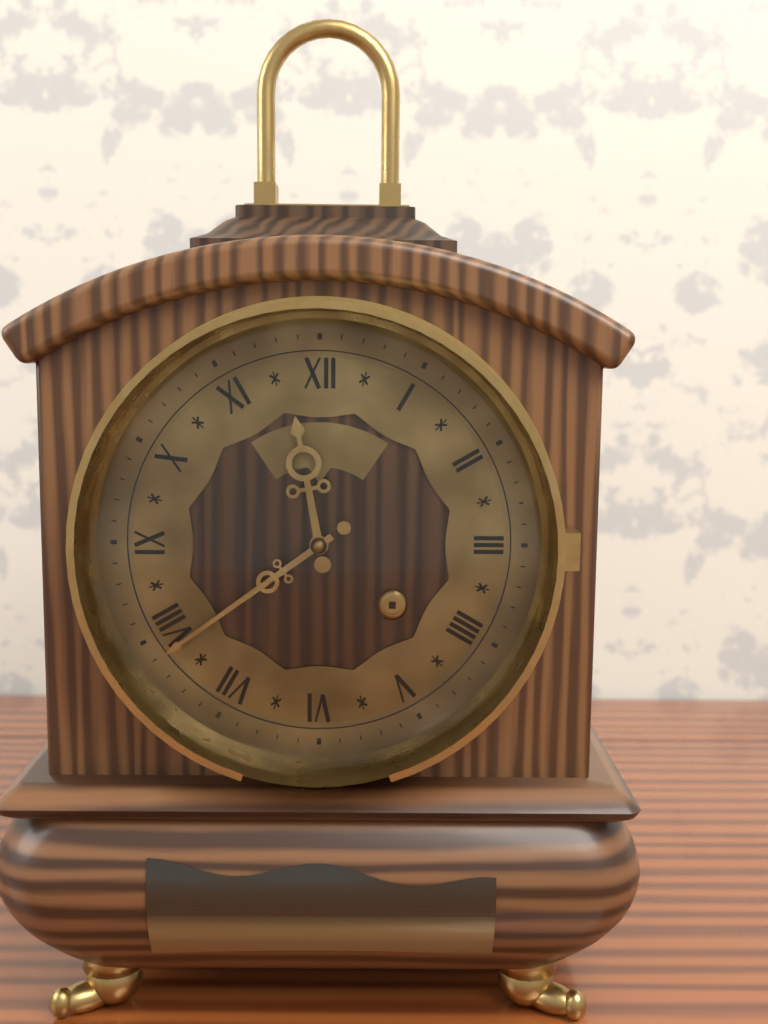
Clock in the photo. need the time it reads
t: 11:39
